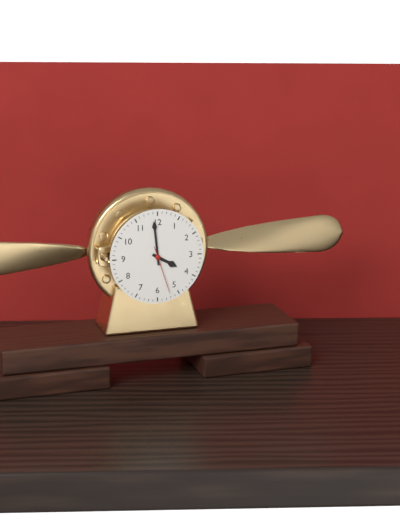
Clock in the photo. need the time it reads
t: 3:59
